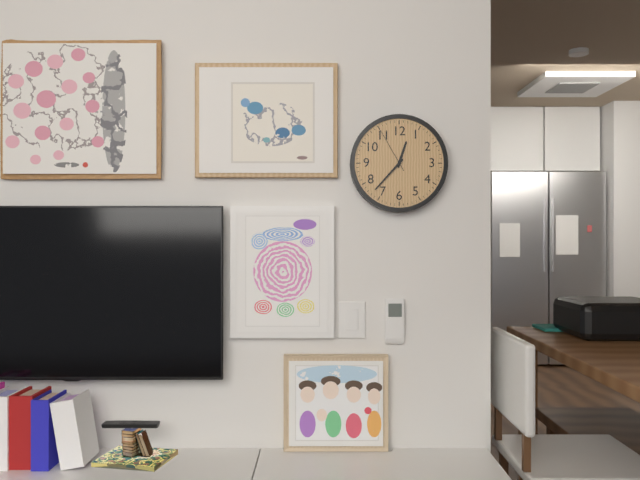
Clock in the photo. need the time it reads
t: 12:37
